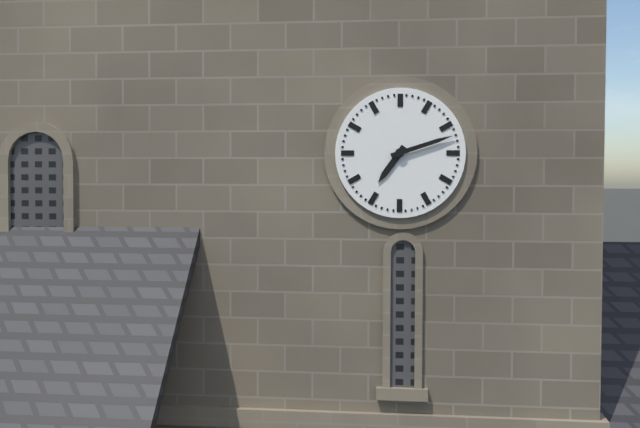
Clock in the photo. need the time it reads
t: 7:12
